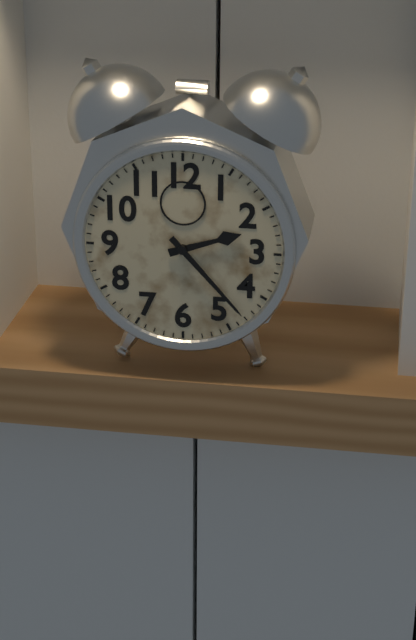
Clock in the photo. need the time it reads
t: 2:23
